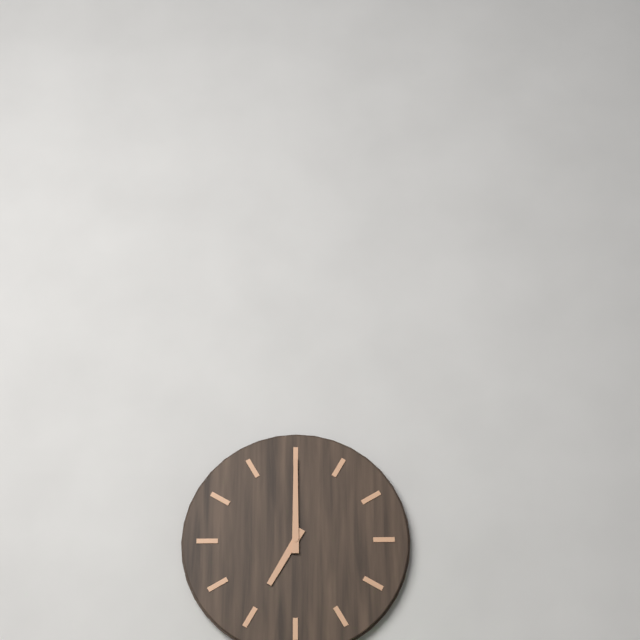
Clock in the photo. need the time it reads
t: 7:00
